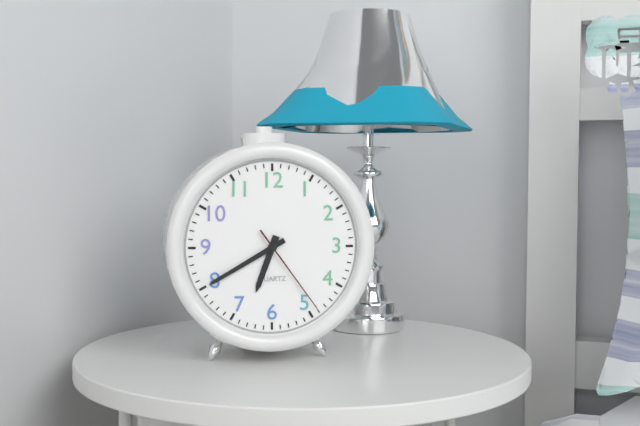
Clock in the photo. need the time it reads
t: 6:40:24
